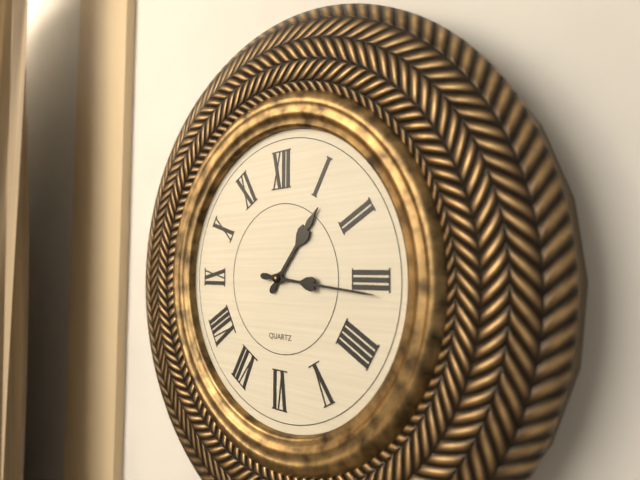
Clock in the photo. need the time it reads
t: 1:16
